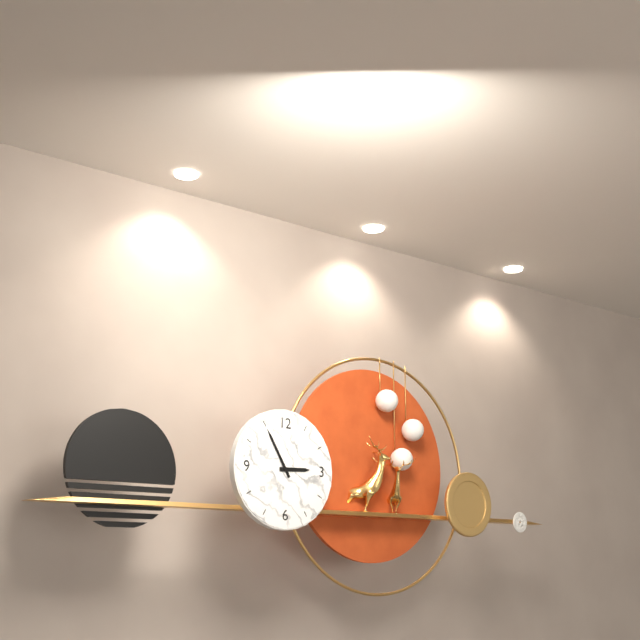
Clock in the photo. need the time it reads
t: 2:55
